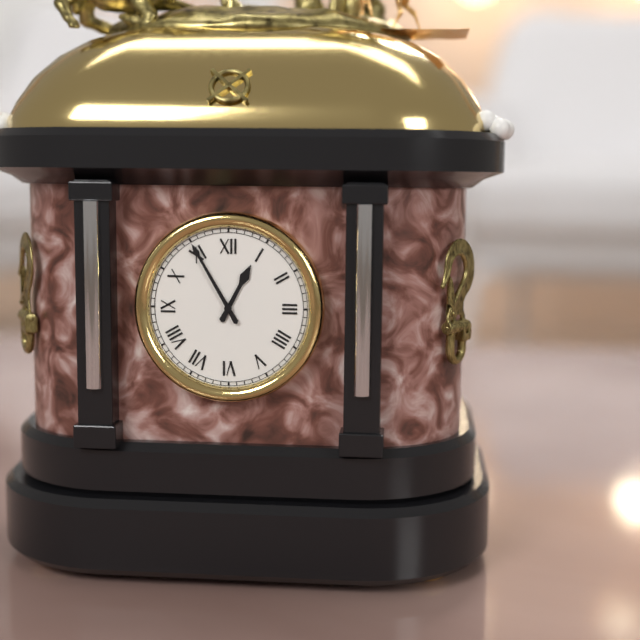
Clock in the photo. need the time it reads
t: 12:55
